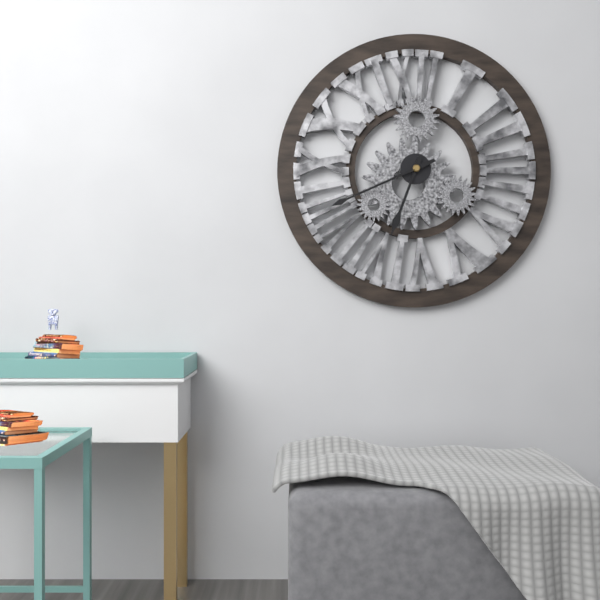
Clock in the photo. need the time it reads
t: 6:41
